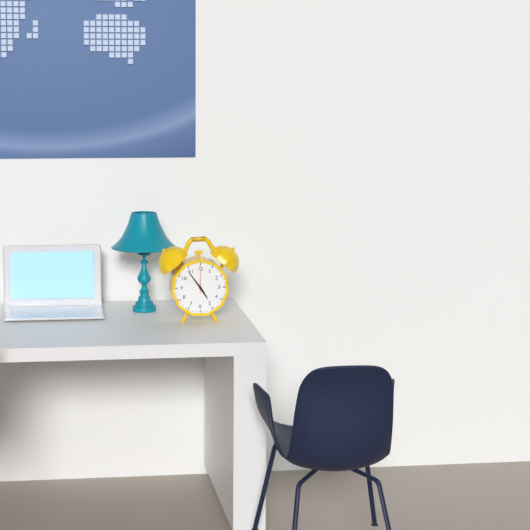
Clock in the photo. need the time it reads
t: 4:54
